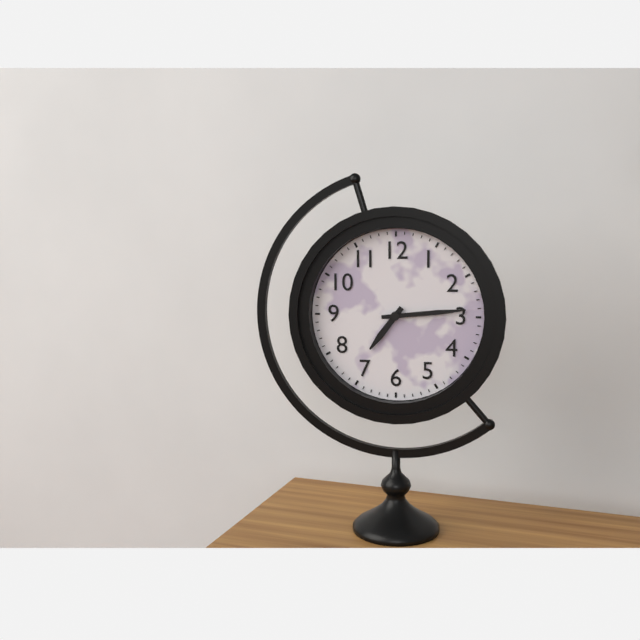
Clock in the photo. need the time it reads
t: 7:14
